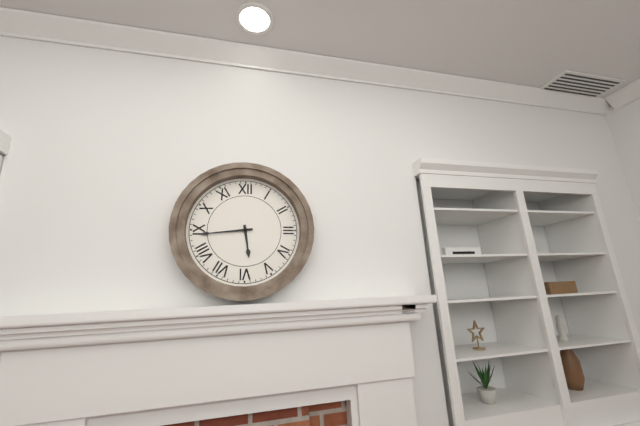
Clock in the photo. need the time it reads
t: 5:44
